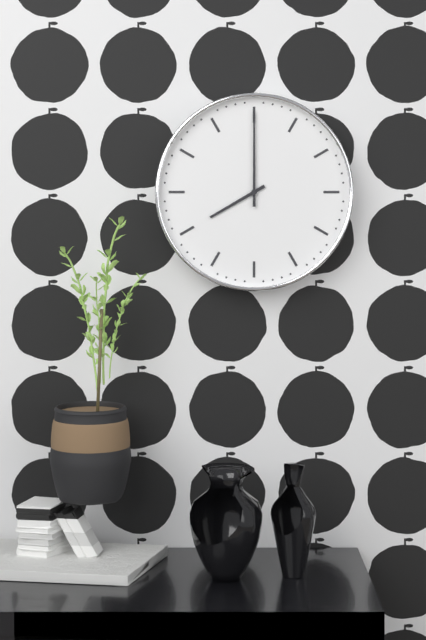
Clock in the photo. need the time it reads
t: 8:00
